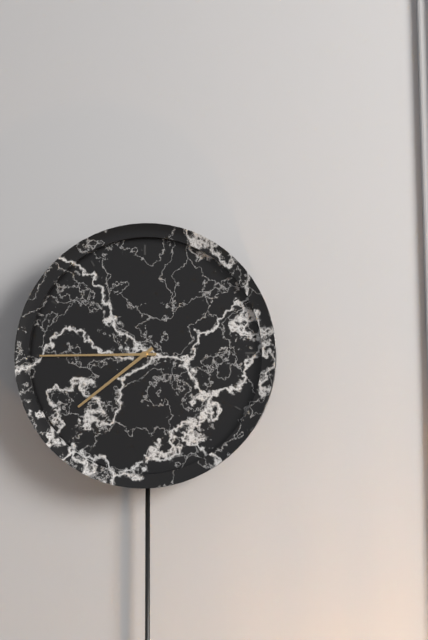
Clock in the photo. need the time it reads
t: 7:45
